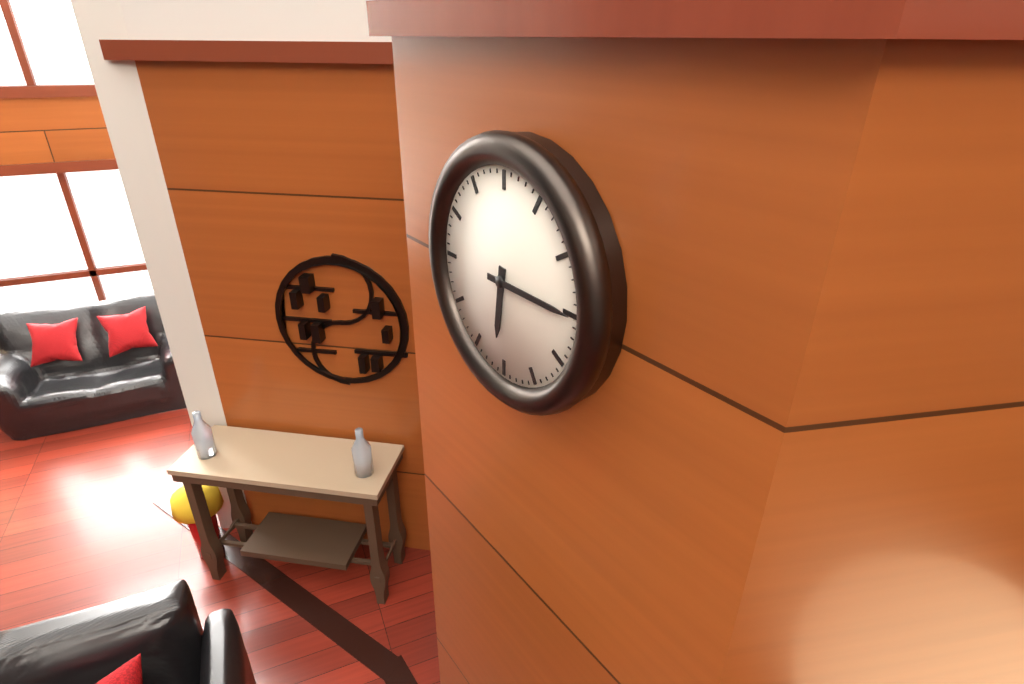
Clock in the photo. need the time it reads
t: 6:15
